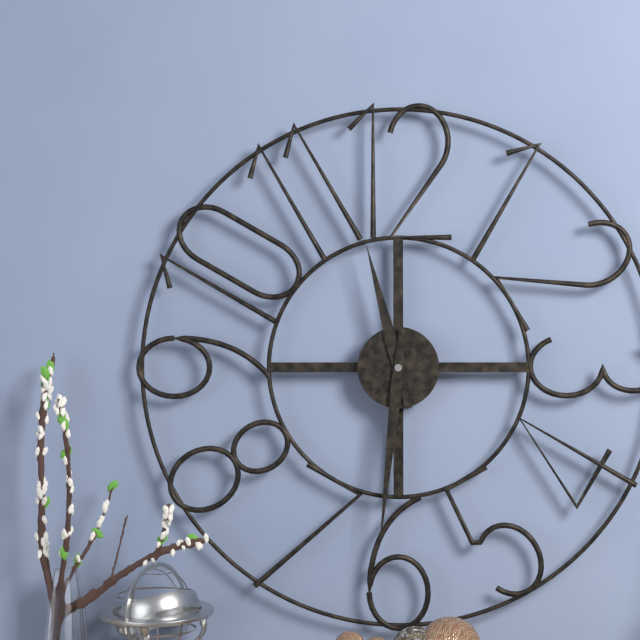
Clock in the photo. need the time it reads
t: 11:31
